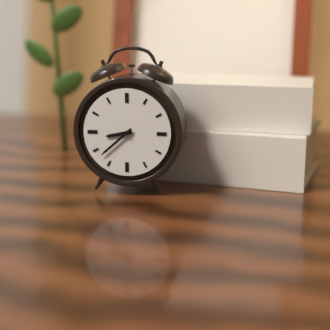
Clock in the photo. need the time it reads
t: 8:38
